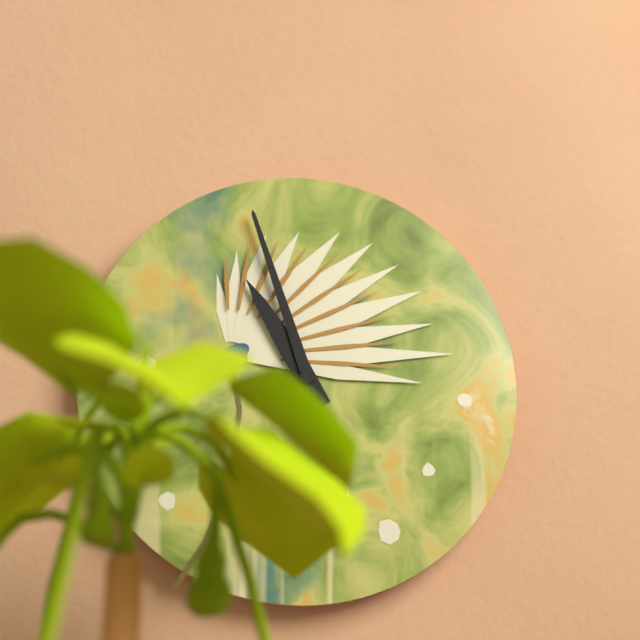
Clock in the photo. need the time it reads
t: 10:57
